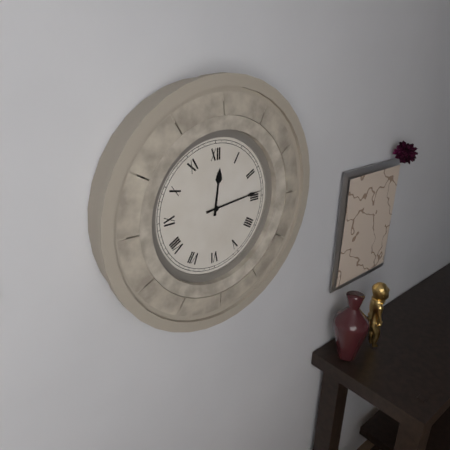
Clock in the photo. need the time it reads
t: 12:14
